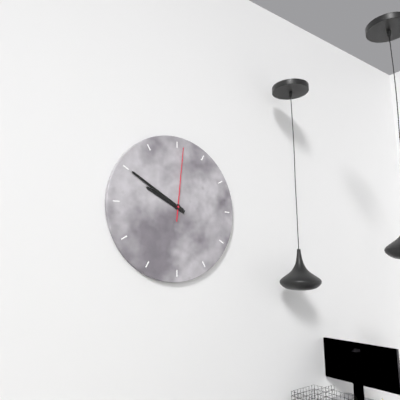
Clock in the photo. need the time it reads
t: 9:50:01
